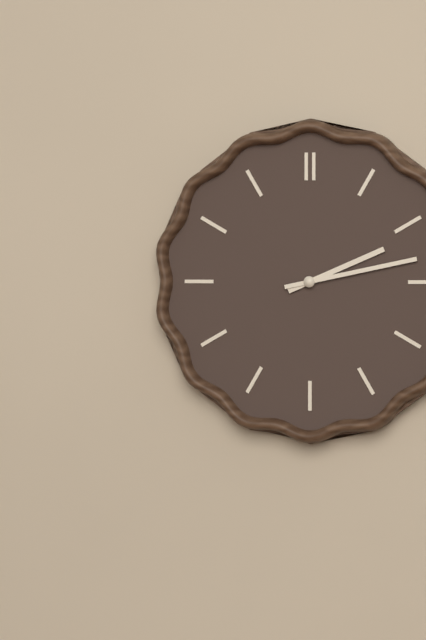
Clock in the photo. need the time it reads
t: 2:13
